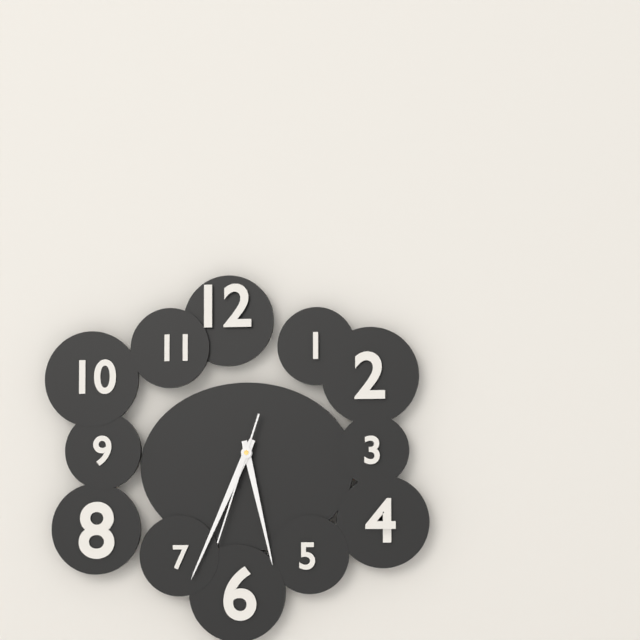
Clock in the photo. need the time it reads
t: 5:34:33
